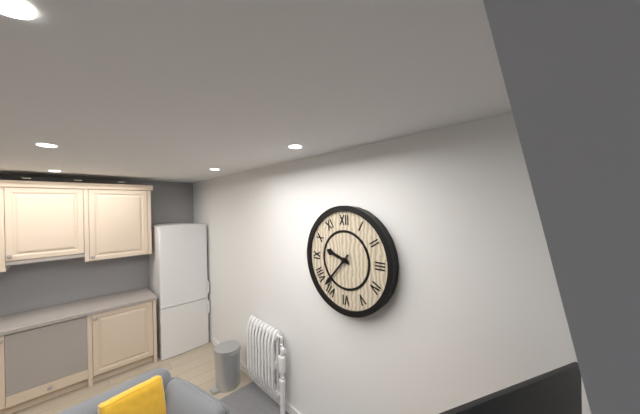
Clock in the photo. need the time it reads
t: 9:37
